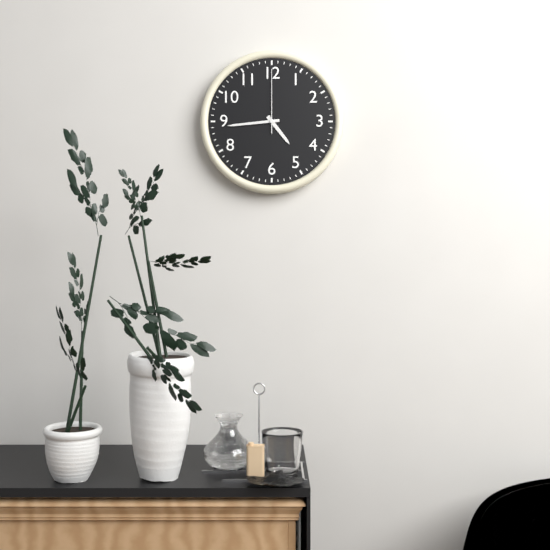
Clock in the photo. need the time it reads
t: 4:44:00
